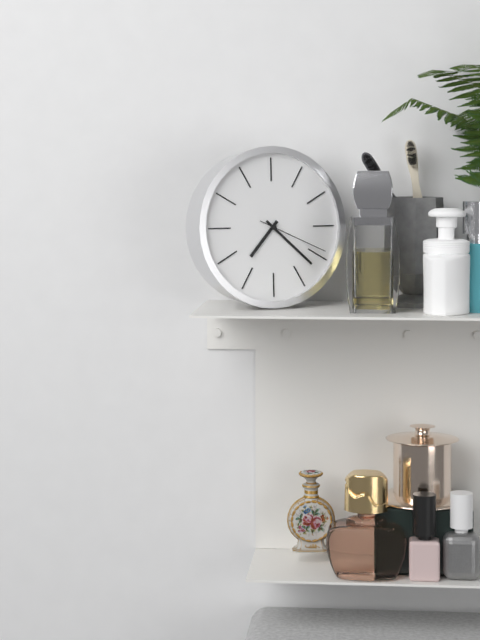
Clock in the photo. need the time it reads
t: 7:22:19
